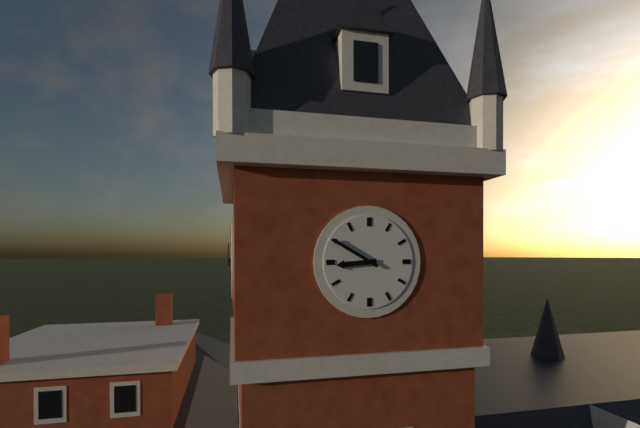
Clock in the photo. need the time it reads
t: 8:50
